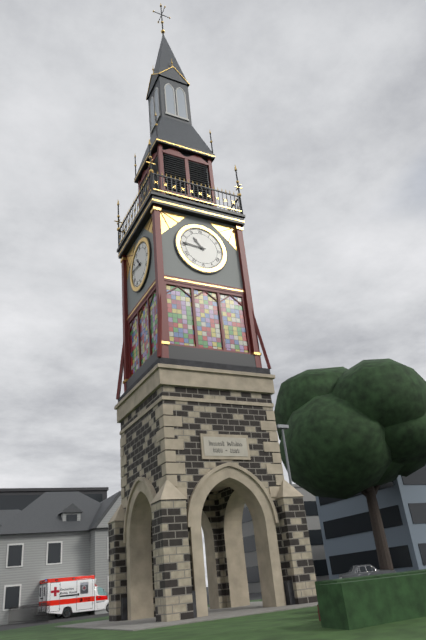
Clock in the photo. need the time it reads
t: 10:46
